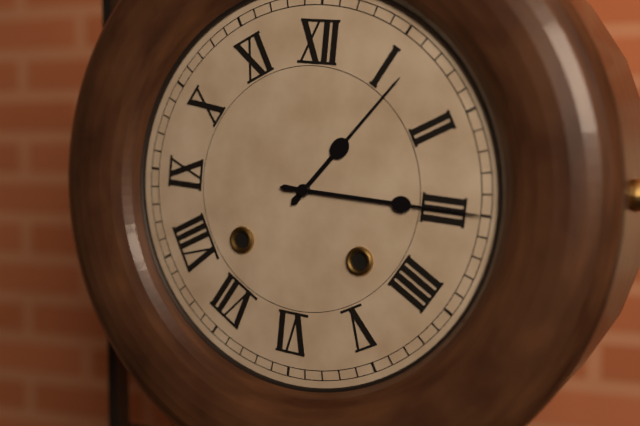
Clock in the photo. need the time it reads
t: 1:15
